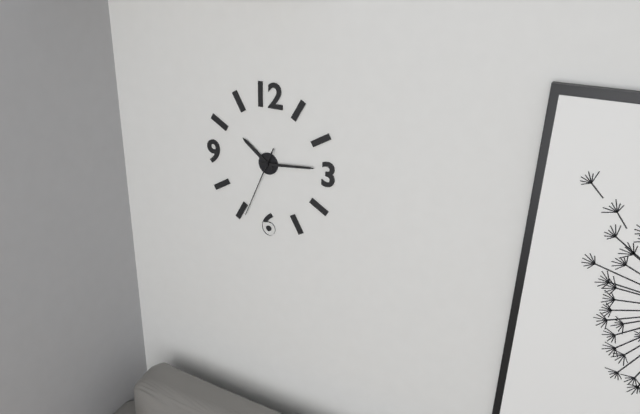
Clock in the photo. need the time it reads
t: 10:14:34
